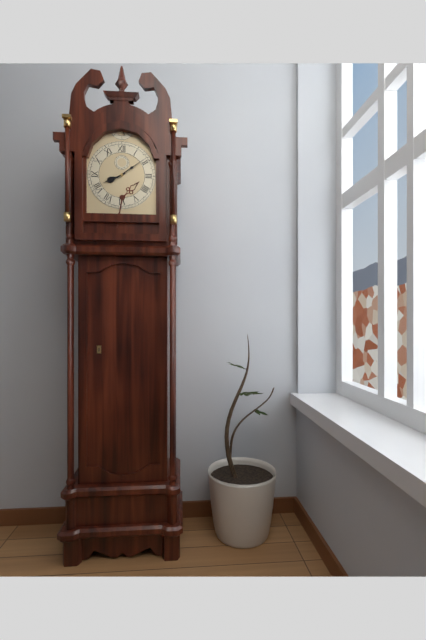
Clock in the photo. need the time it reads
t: 8:09
